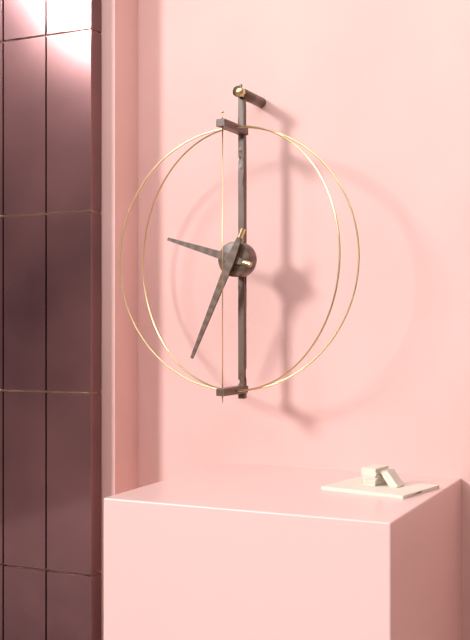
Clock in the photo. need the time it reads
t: 9:34
